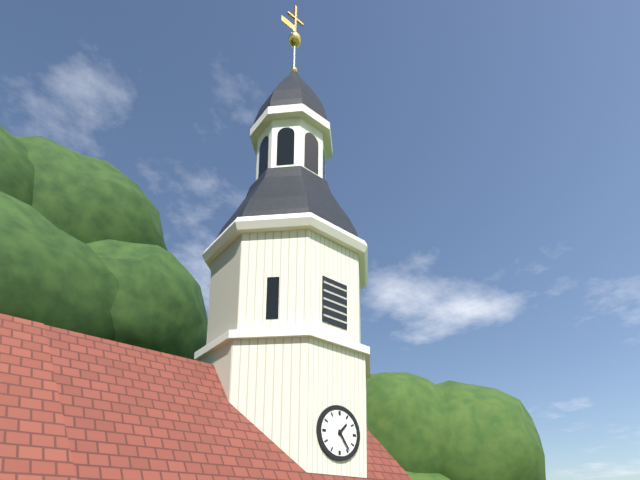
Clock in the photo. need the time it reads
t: 1:24
